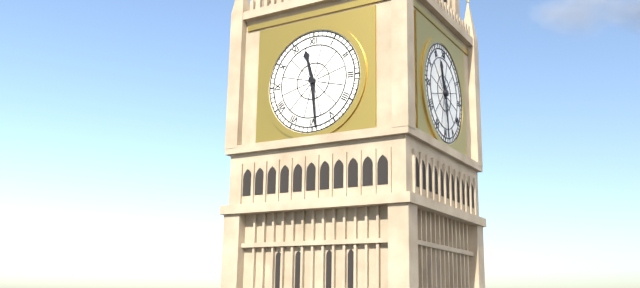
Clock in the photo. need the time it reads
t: 11:29
